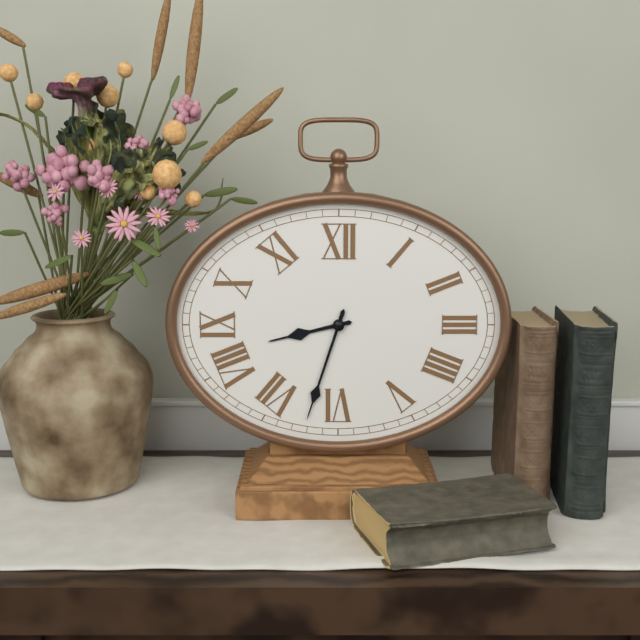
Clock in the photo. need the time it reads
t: 8:33
